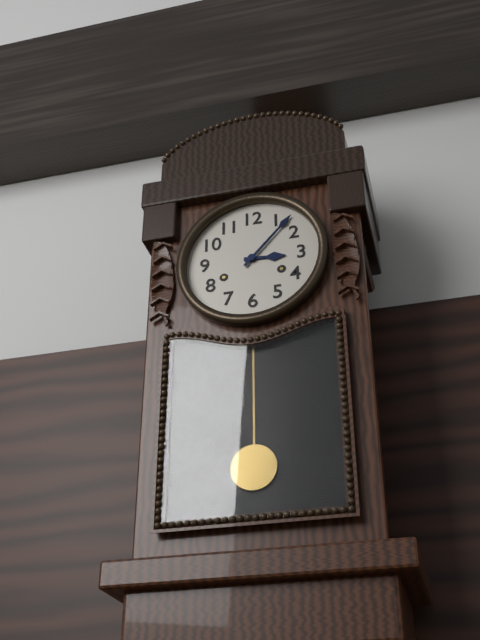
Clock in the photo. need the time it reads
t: 3:07
